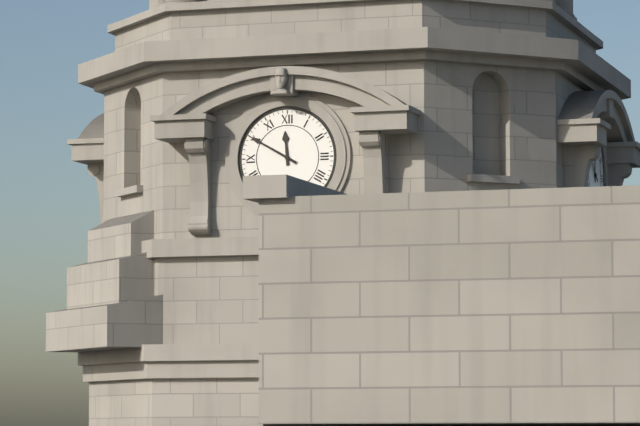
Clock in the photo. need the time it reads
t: 11:50
